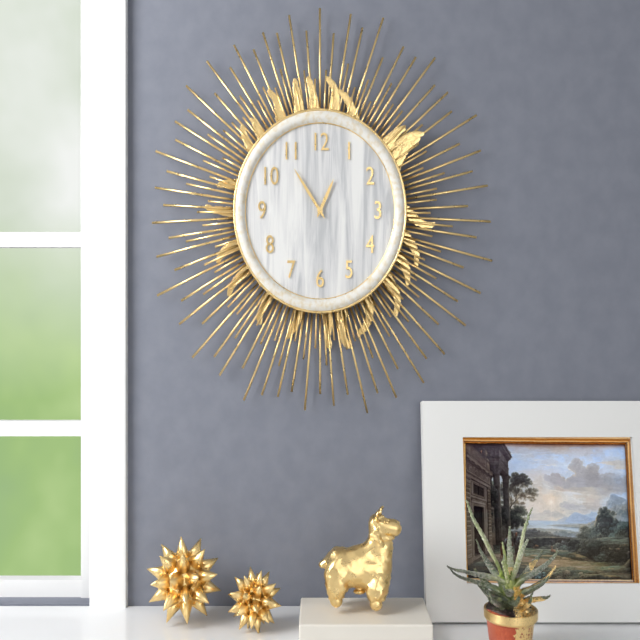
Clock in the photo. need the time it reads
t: 12:54
